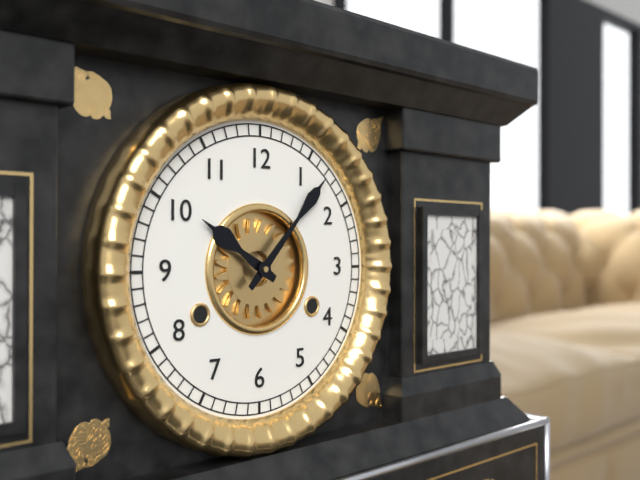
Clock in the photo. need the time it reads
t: 10:07
